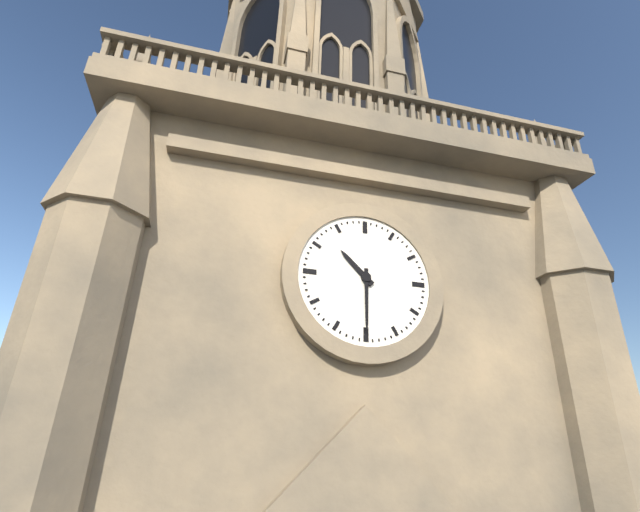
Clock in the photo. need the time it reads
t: 10:30
